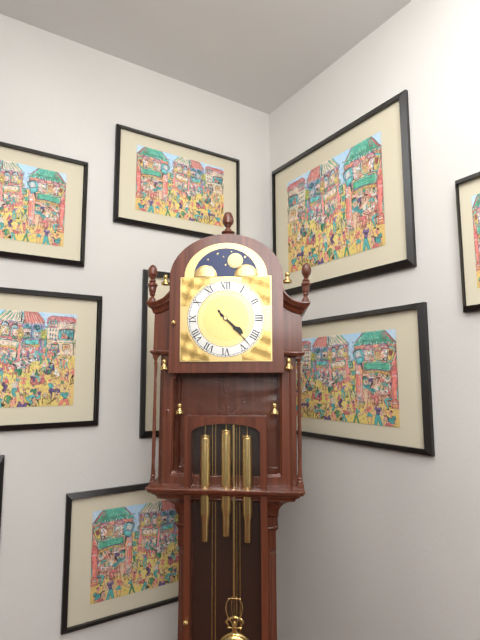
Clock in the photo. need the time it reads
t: 4:23
